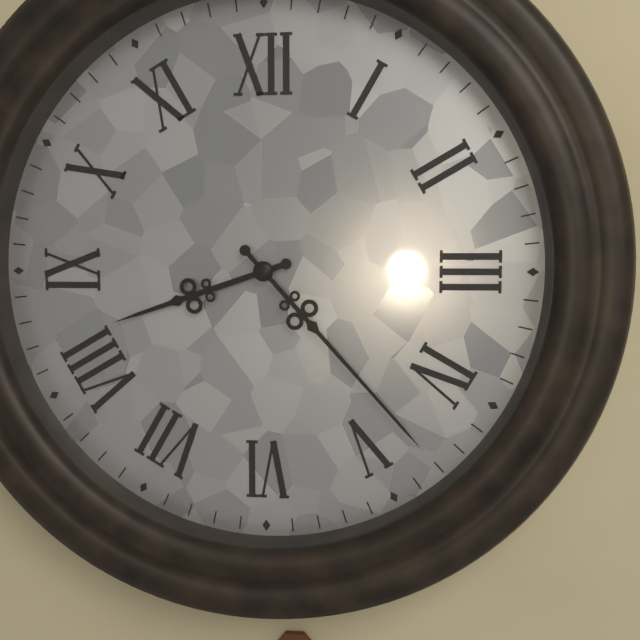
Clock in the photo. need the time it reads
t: 8:23
